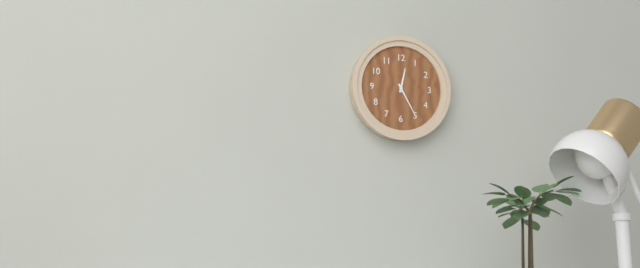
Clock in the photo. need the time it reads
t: 12:25
